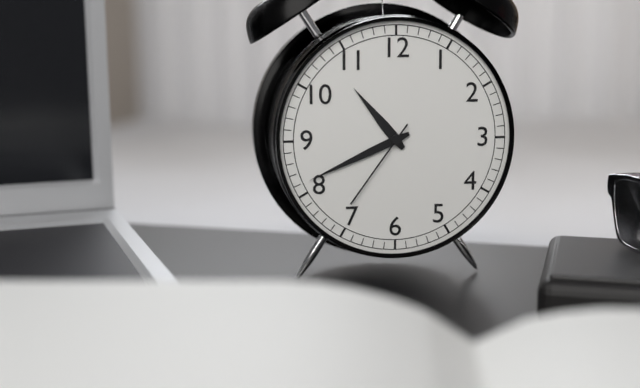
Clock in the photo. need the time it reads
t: 10:41:36
